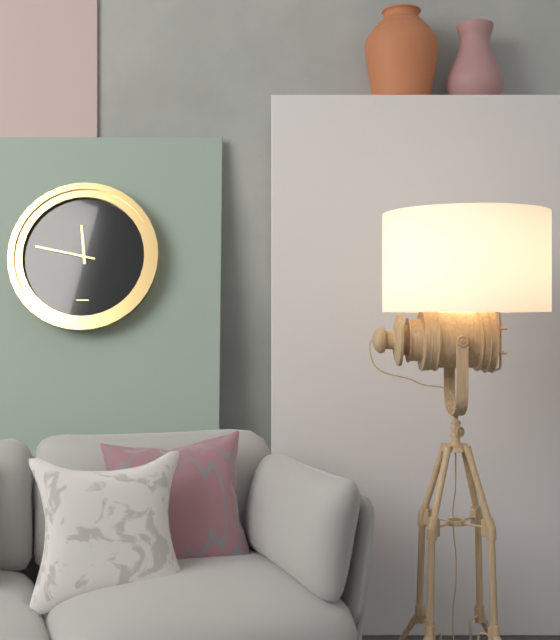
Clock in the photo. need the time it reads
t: 11:47
